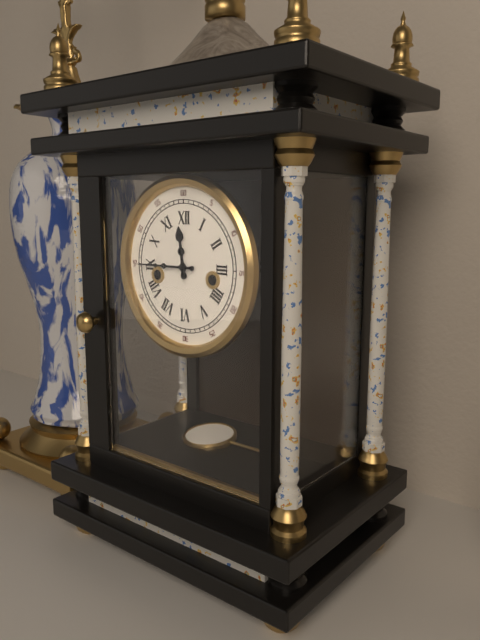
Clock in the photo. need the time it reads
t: 11:45
